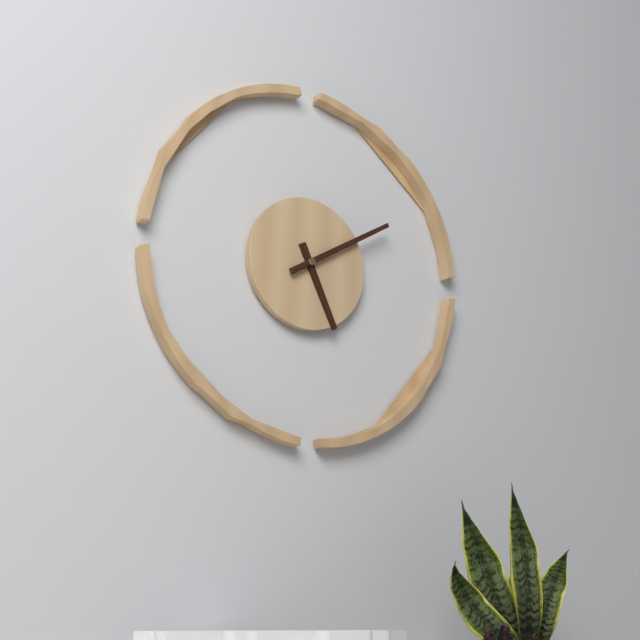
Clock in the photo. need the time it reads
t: 5:10
